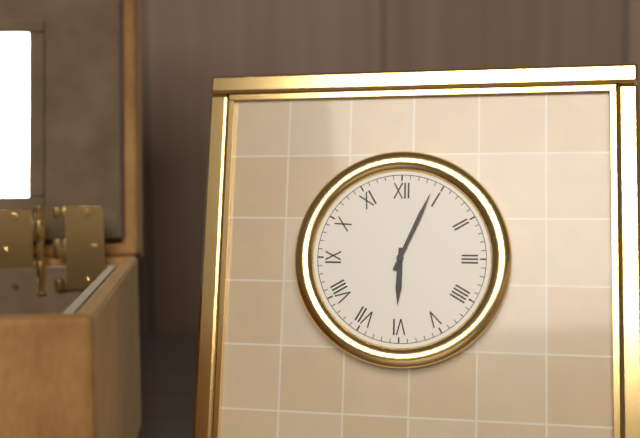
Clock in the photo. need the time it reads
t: 6:04
